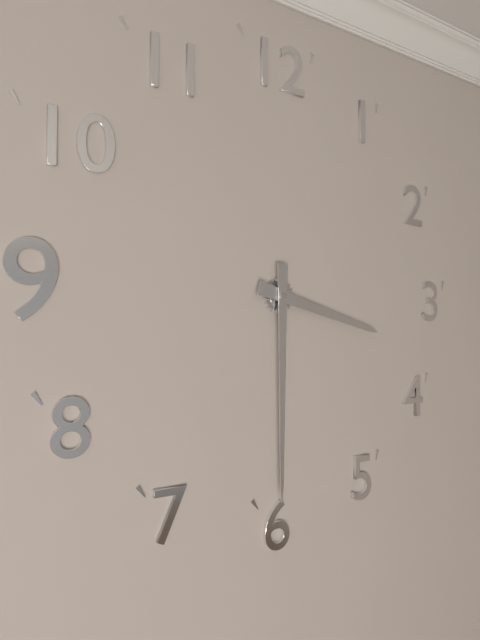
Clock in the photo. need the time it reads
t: 3:30
